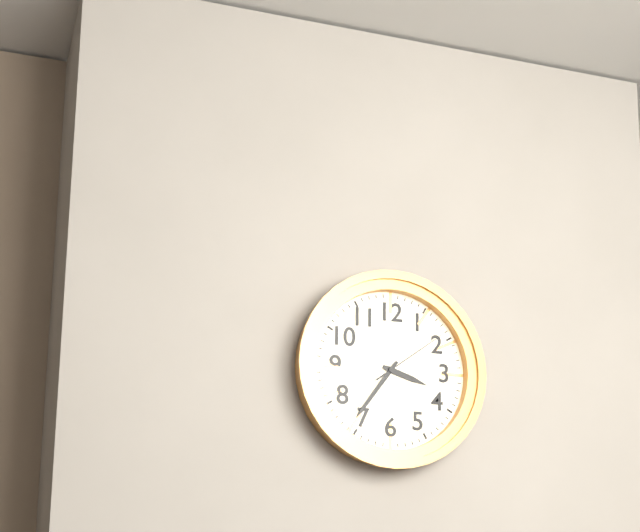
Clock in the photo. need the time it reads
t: 3:36:09
